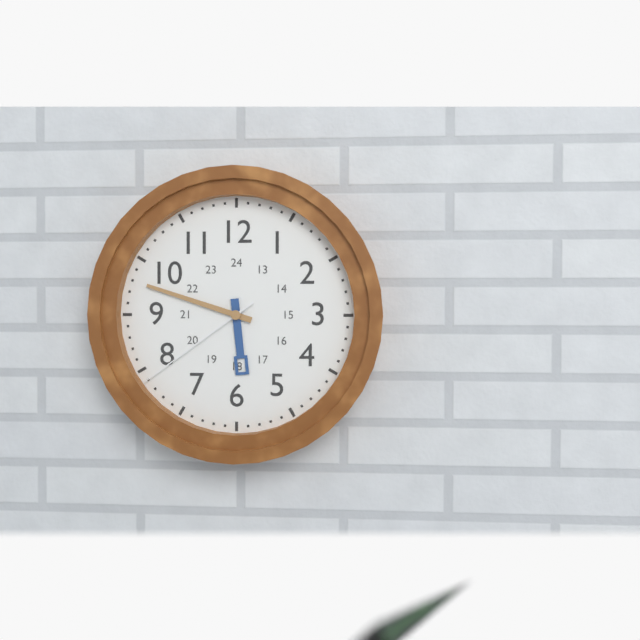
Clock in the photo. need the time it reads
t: 5:48:39
